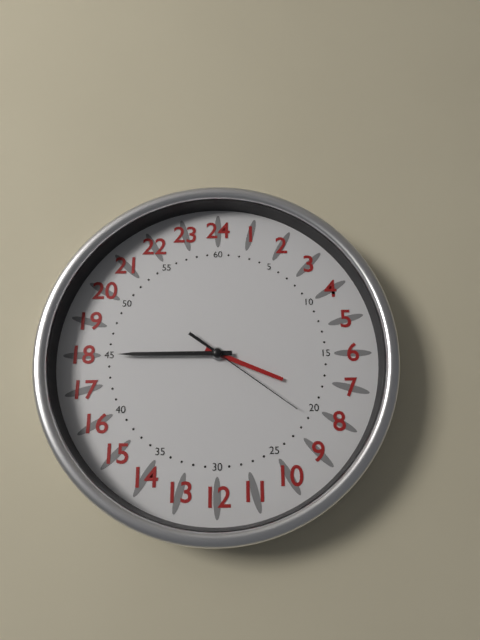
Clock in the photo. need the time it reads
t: 3:45:21
